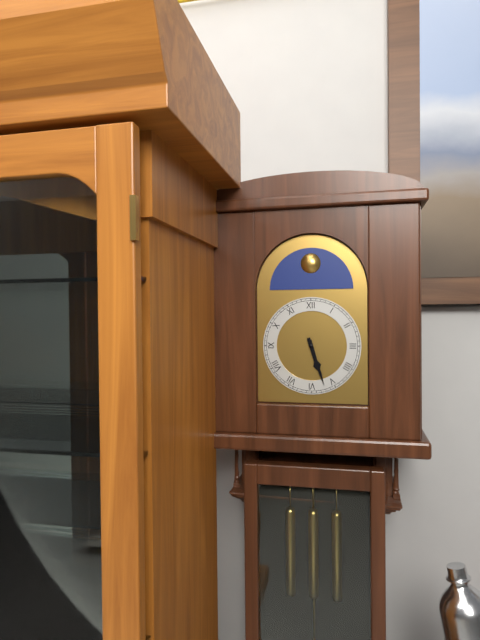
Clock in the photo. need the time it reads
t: 5:27
